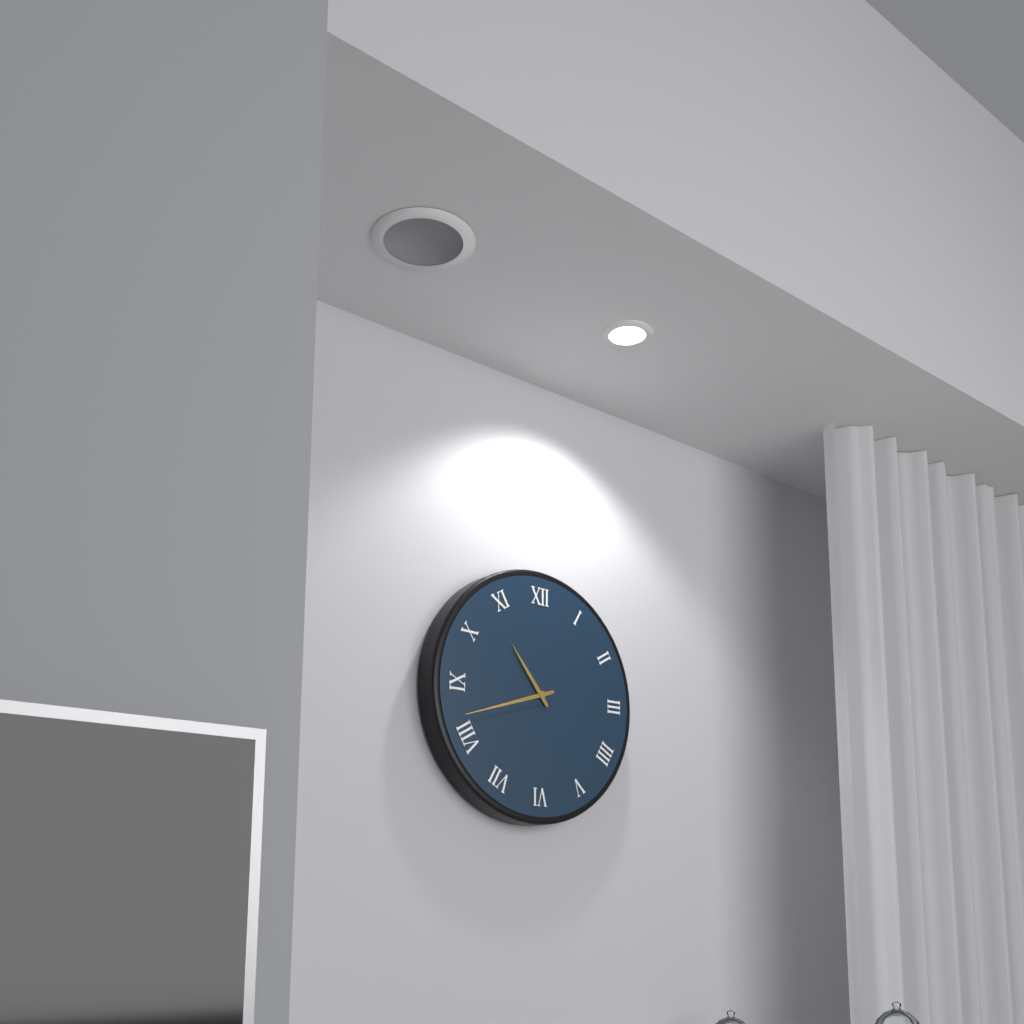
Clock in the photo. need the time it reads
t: 10:42
